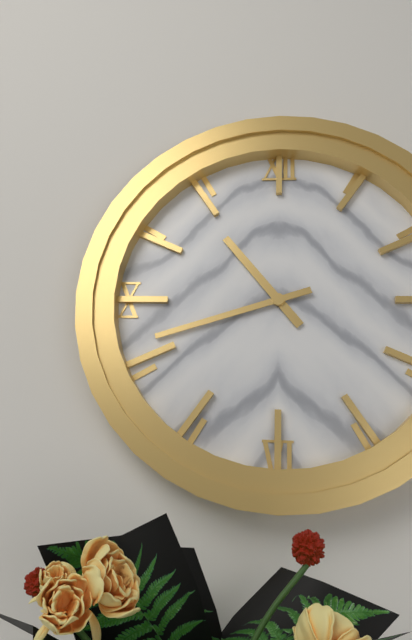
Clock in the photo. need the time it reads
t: 10:42
